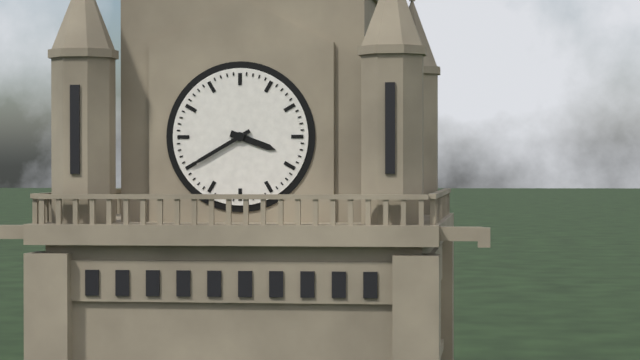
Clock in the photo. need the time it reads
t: 3:40
